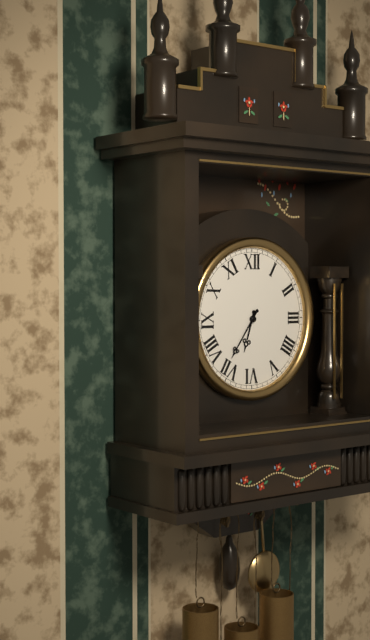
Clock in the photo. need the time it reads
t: 6:36
